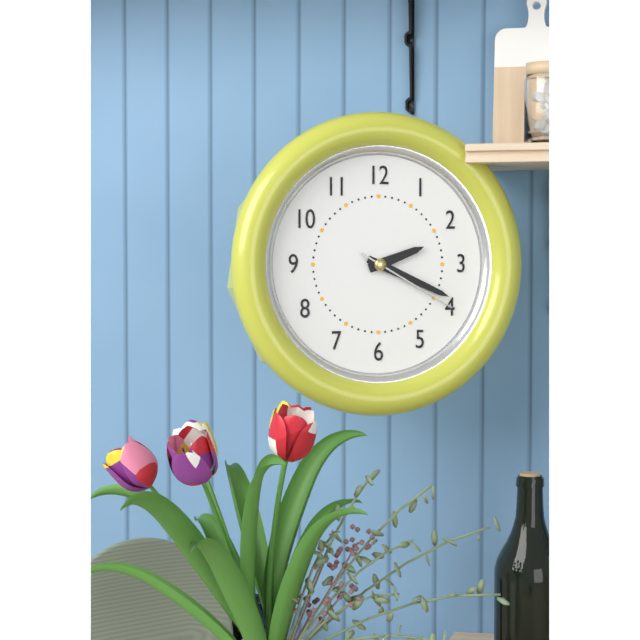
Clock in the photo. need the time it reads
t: 2:19:20
